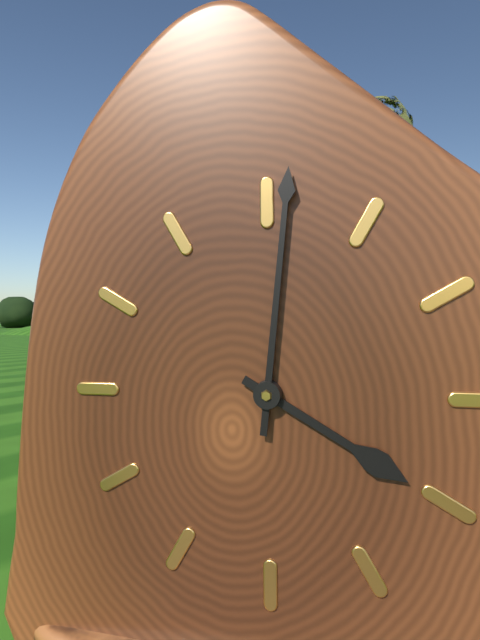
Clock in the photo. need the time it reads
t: 4:01
